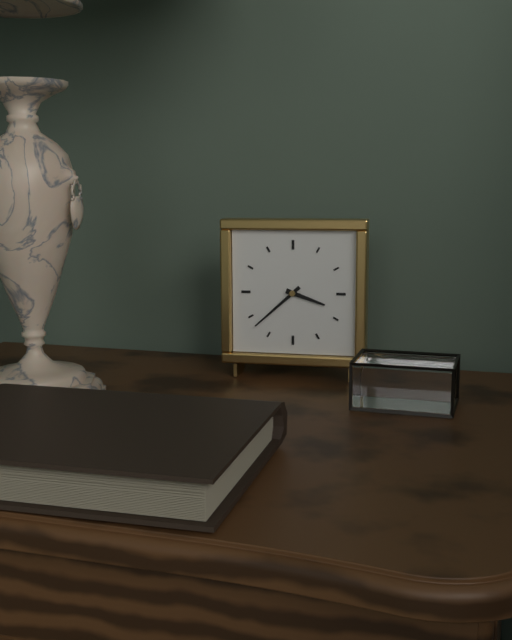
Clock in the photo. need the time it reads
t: 3:38
